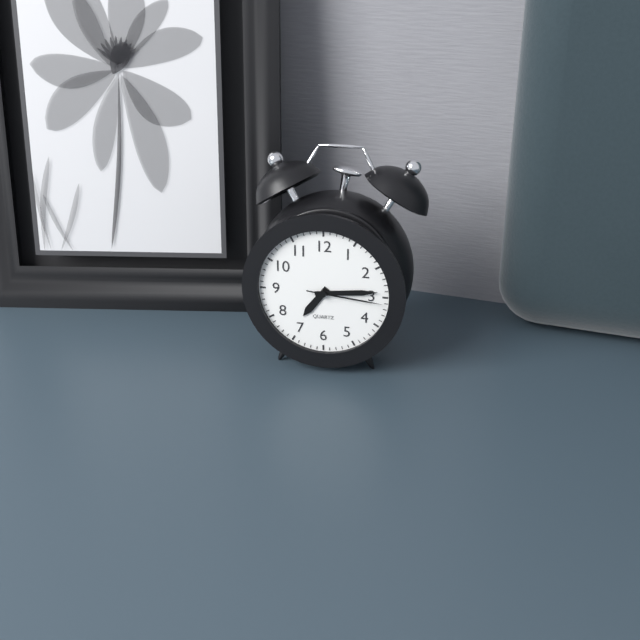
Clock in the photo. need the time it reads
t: 7:14:16
